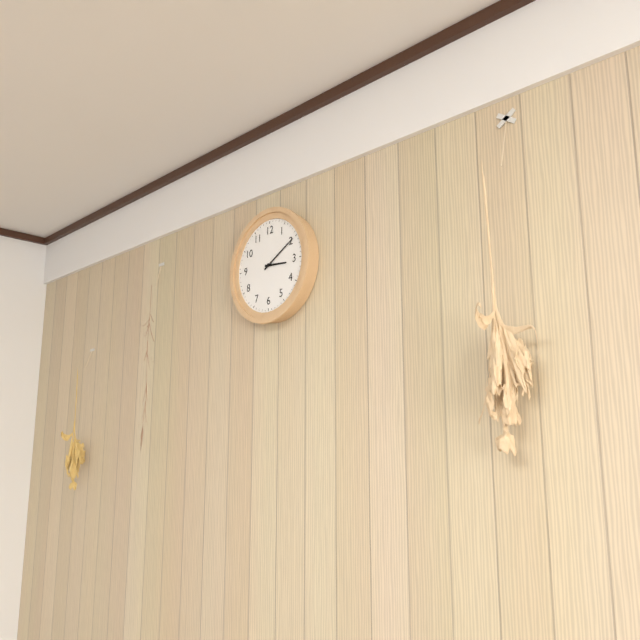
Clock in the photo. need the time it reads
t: 3:10
